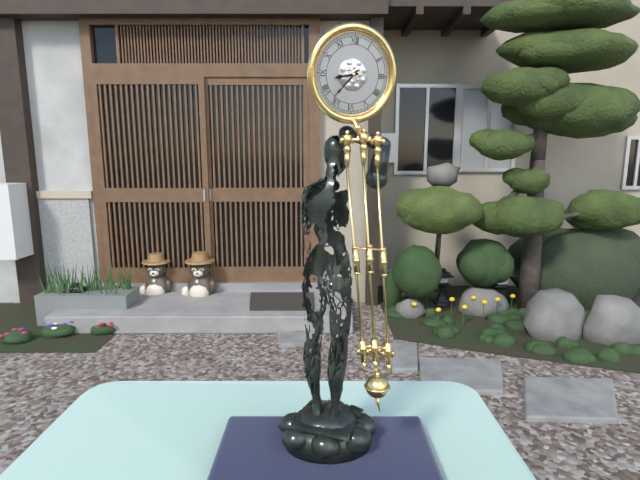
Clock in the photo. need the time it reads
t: 8:37
